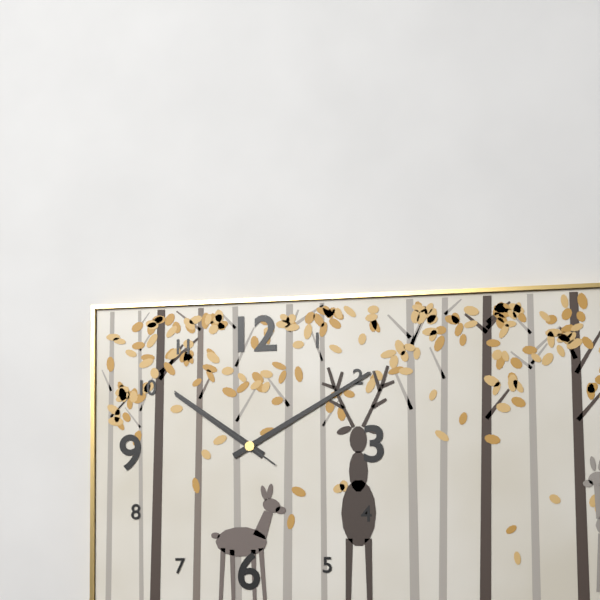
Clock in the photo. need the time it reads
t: 10:10:51
